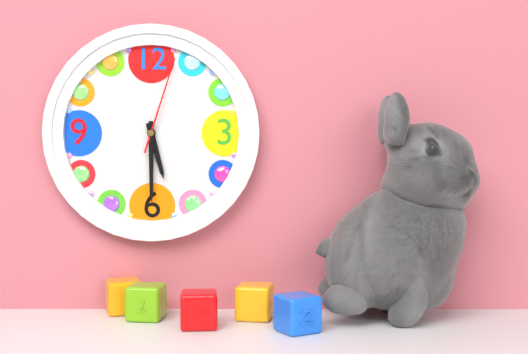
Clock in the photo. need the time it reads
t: 5:30:03
